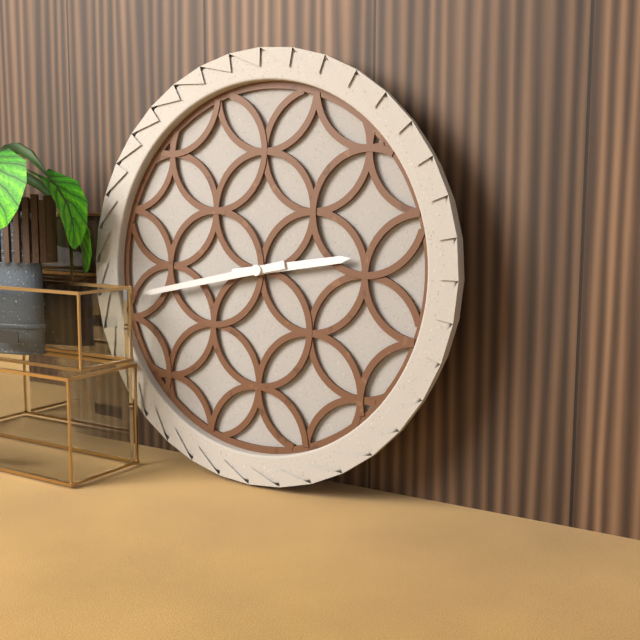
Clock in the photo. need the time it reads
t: 2:43
